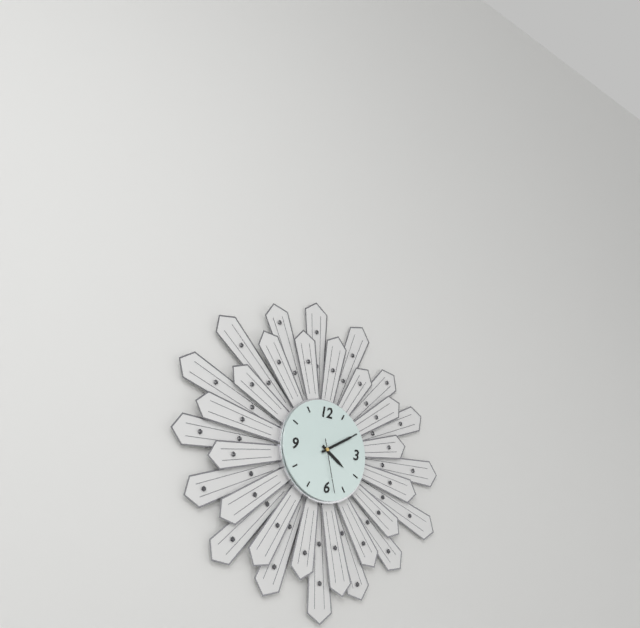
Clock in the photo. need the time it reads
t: 4:10:28
